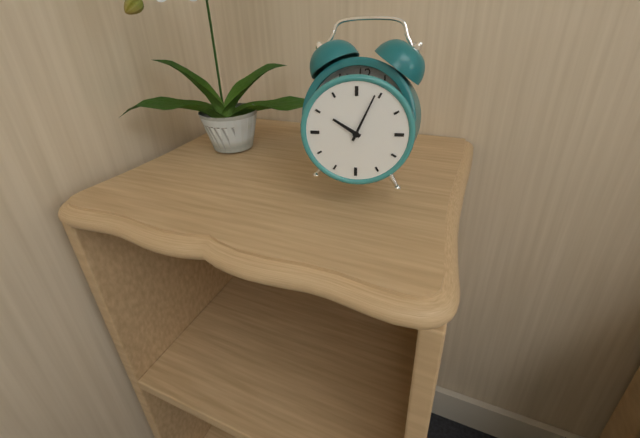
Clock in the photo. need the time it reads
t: 10:04
